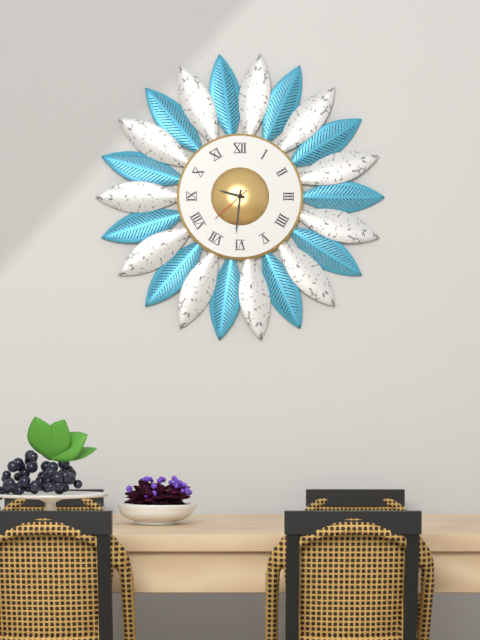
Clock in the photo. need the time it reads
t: 9:31
